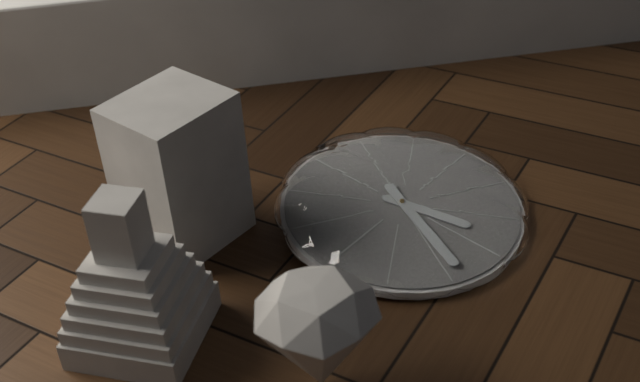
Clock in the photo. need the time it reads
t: 5:34
